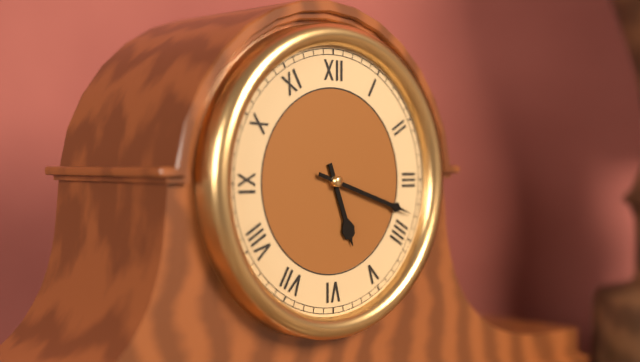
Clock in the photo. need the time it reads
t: 5:18
